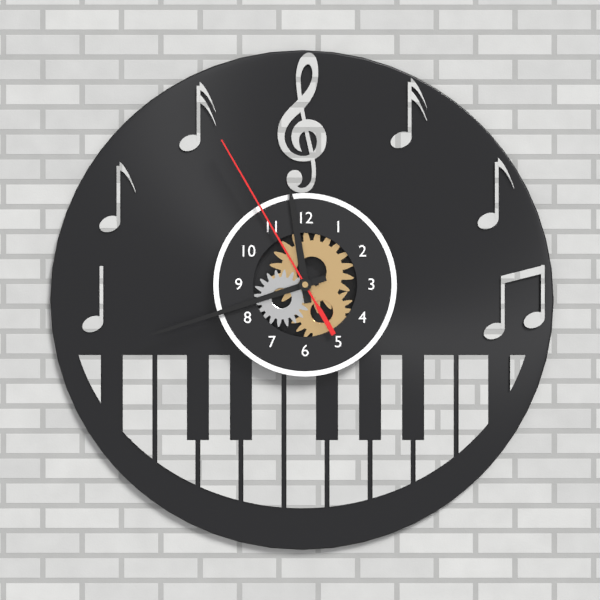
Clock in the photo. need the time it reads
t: 11:42:55
